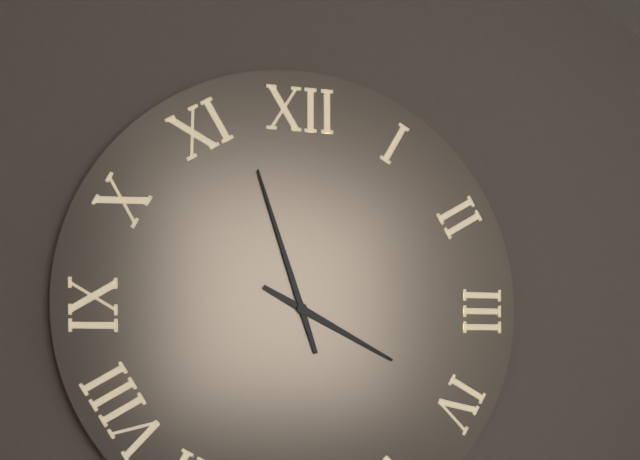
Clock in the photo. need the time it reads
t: 3:57
